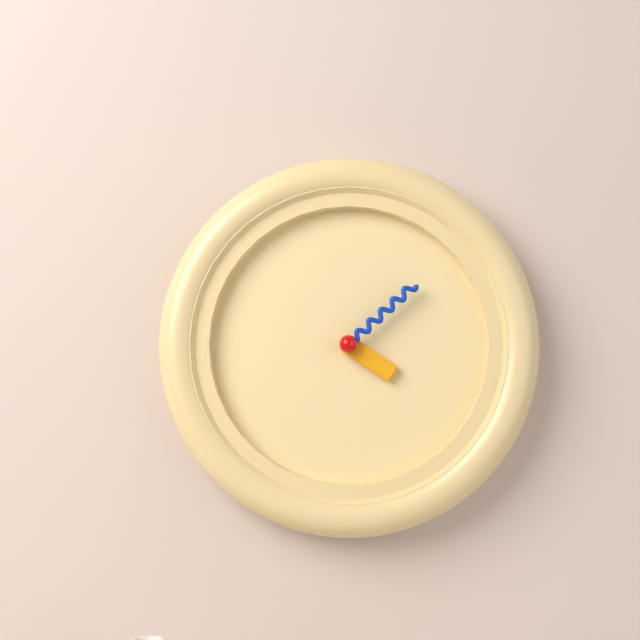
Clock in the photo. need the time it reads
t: 4:08
